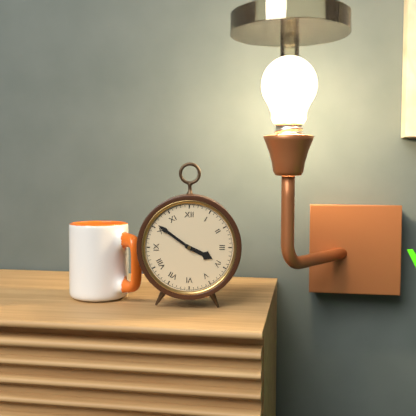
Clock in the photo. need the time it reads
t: 3:51
